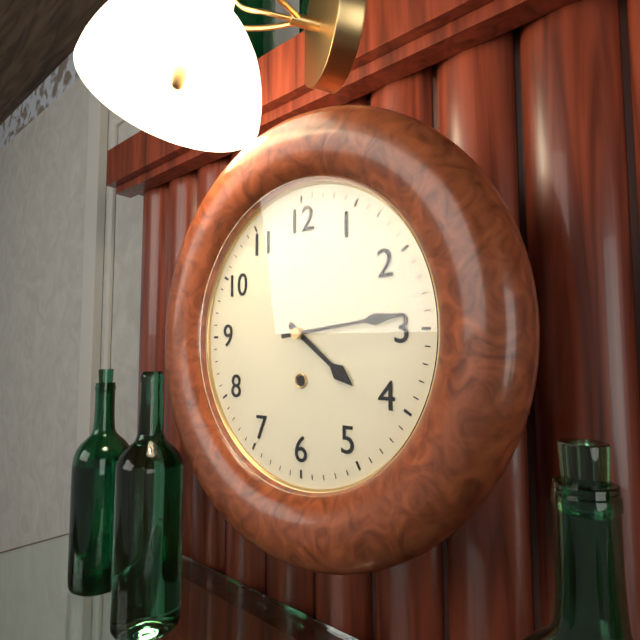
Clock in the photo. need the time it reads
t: 4:14
